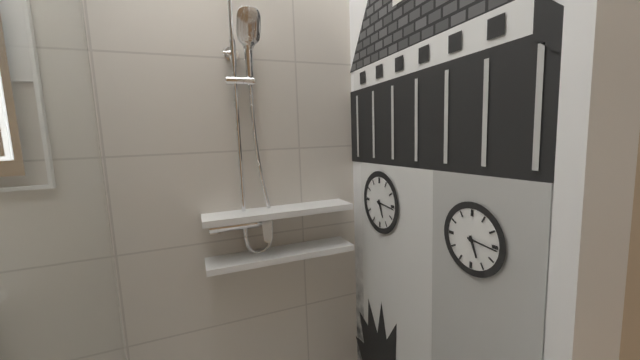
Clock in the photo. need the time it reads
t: 5:16
